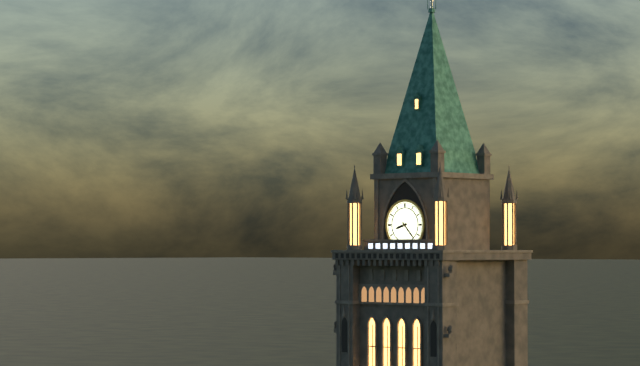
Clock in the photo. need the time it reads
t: 8:23
